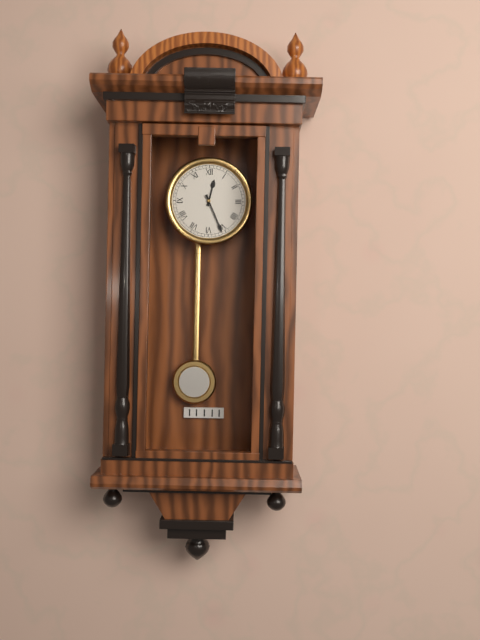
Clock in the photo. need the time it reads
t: 12:26
